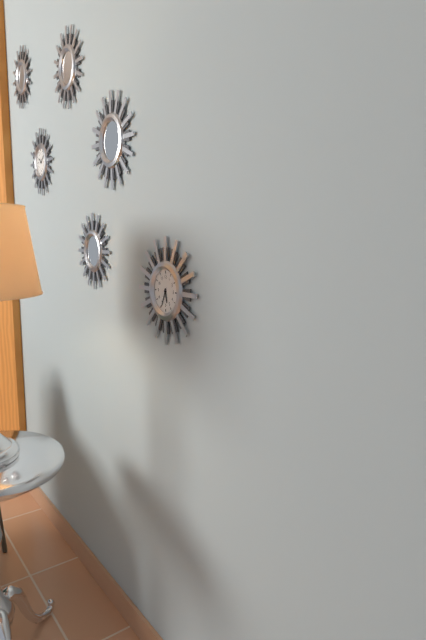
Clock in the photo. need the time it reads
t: 5:34
